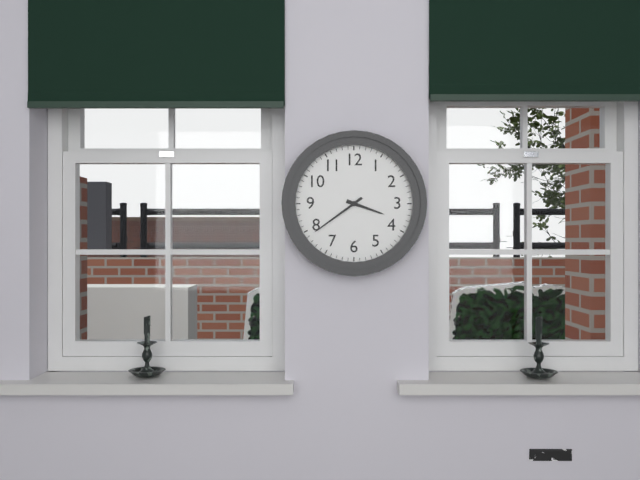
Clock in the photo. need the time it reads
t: 3:39
